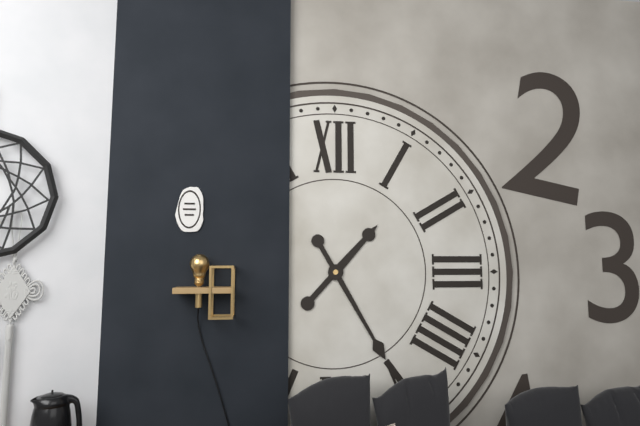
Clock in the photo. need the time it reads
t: 1:25
